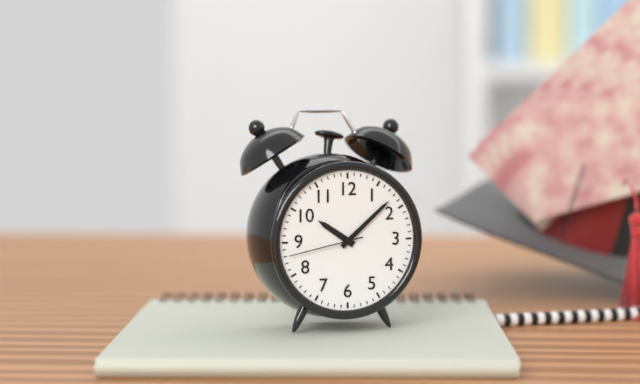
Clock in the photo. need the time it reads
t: 10:08:43
